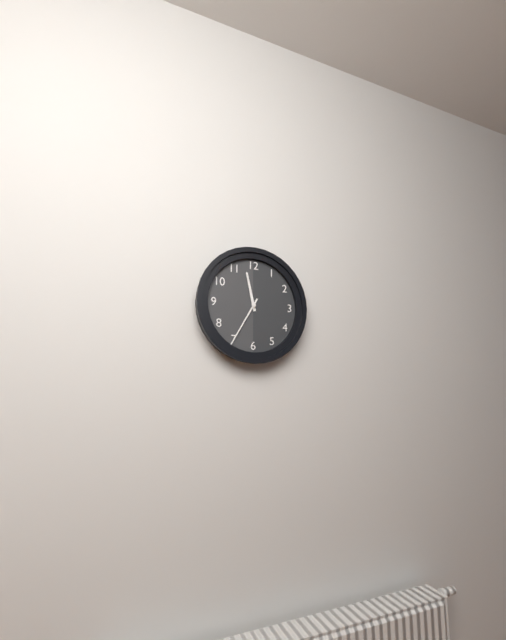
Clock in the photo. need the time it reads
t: 11:35
